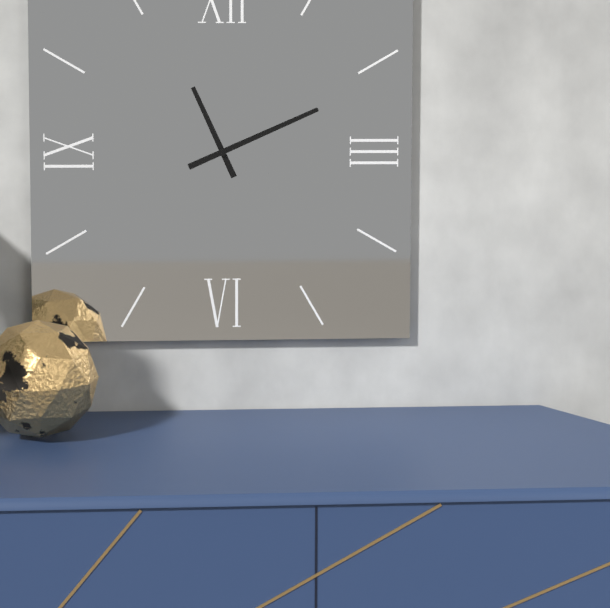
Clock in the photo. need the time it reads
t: 11:11
